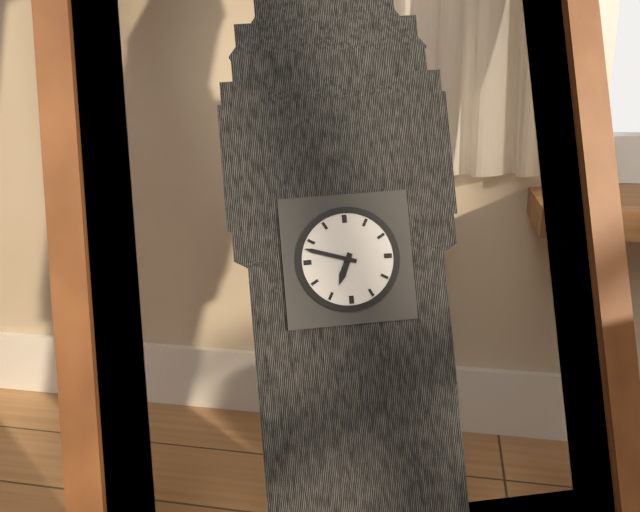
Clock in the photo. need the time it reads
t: 6:48
